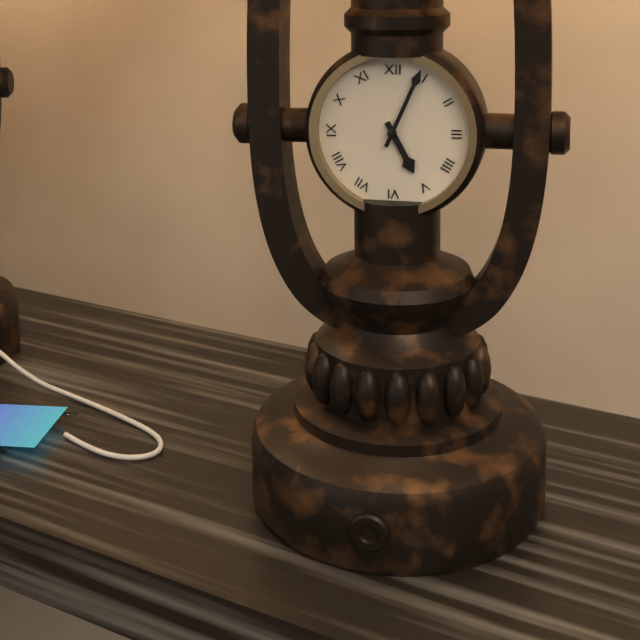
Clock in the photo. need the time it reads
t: 5:04
